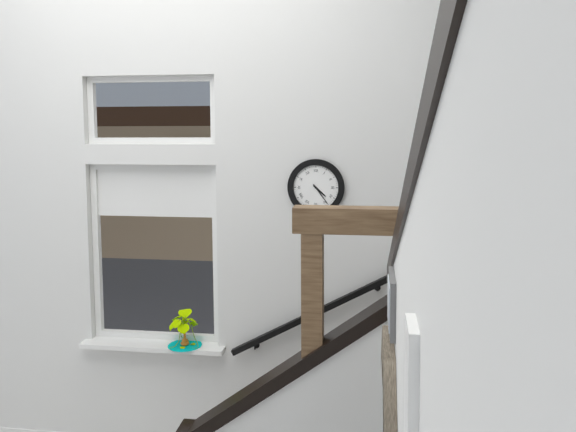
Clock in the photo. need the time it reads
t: 4:24
